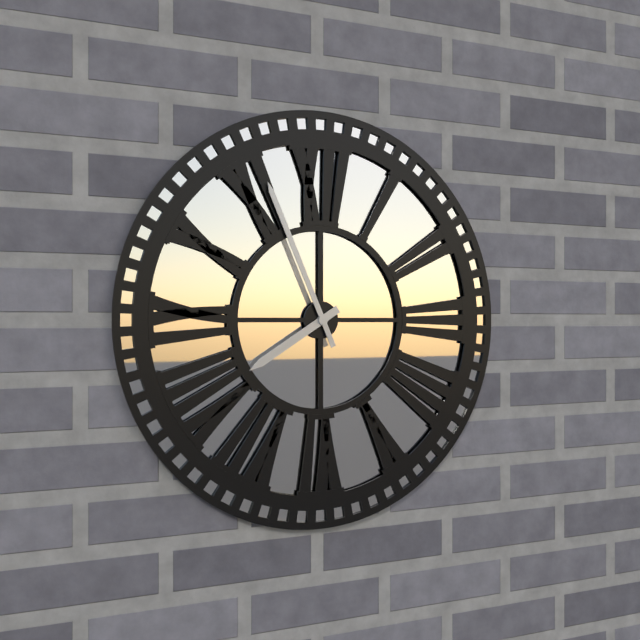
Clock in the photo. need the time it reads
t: 7:56
